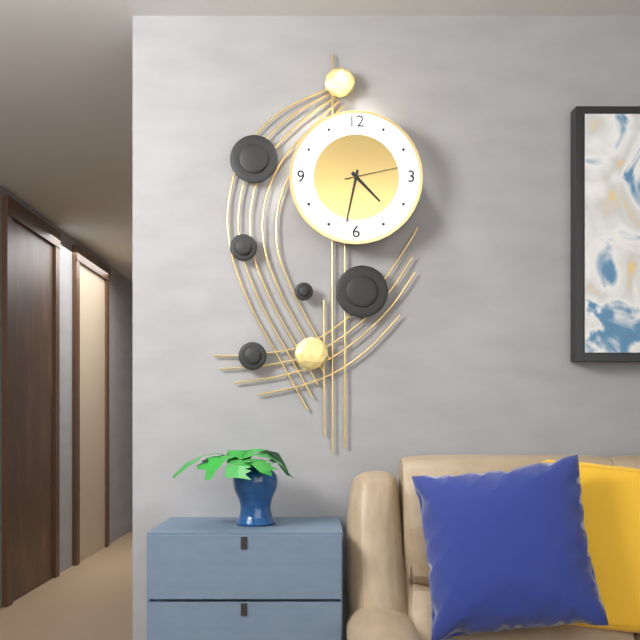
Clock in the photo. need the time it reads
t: 4:32:13
